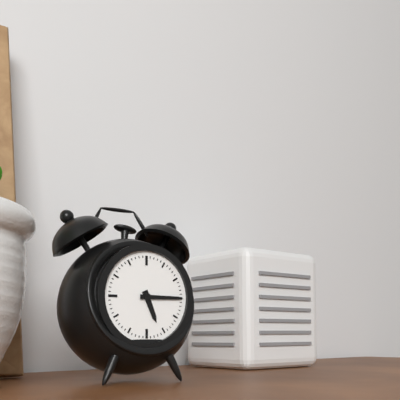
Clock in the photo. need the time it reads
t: 5:15
